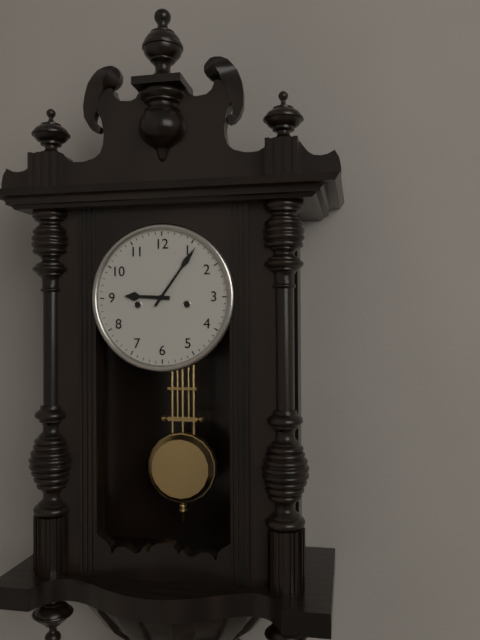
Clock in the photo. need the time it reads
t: 9:06
